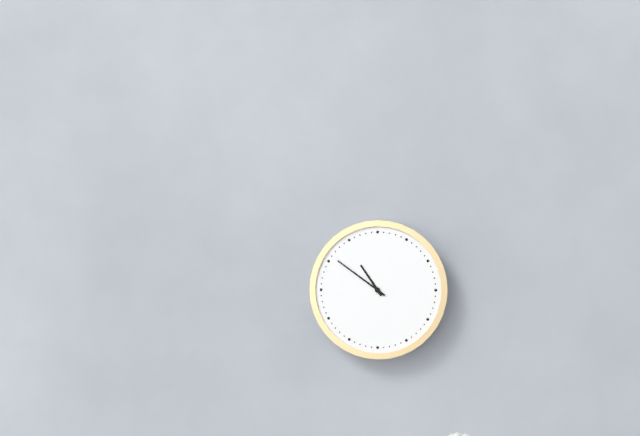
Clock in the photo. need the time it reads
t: 10:51
